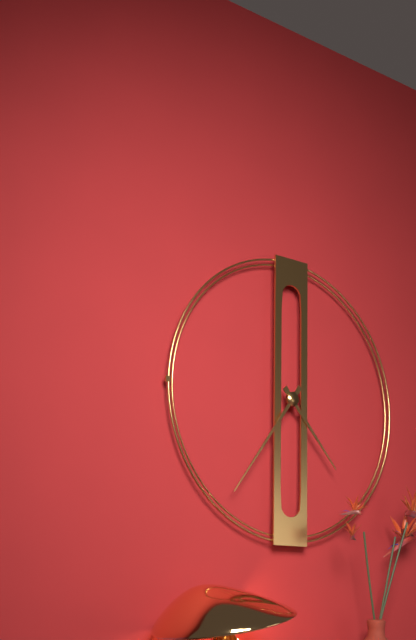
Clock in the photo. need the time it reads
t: 4:36
